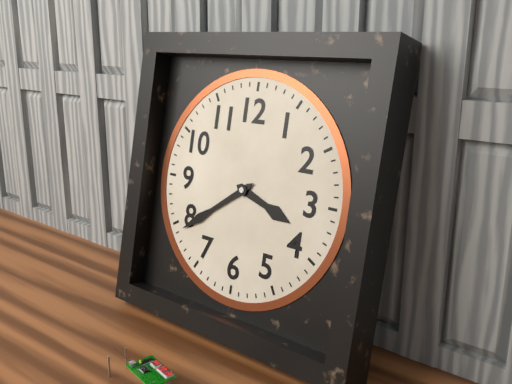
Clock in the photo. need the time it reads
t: 3:39
